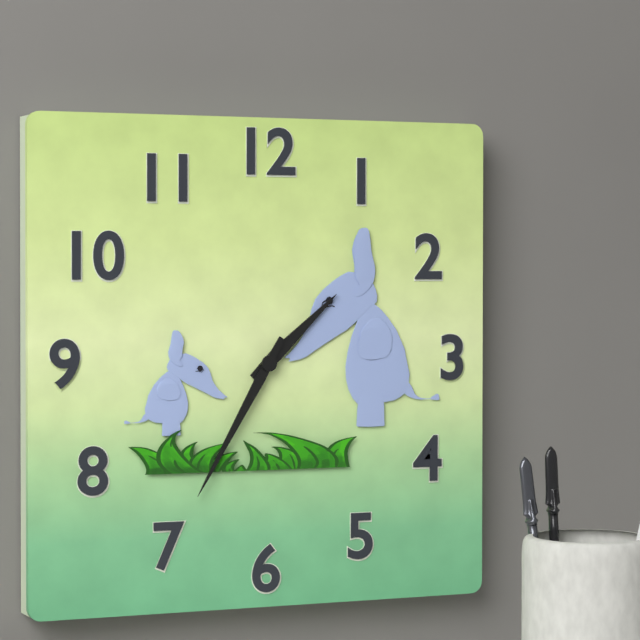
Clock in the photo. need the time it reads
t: 1:35
